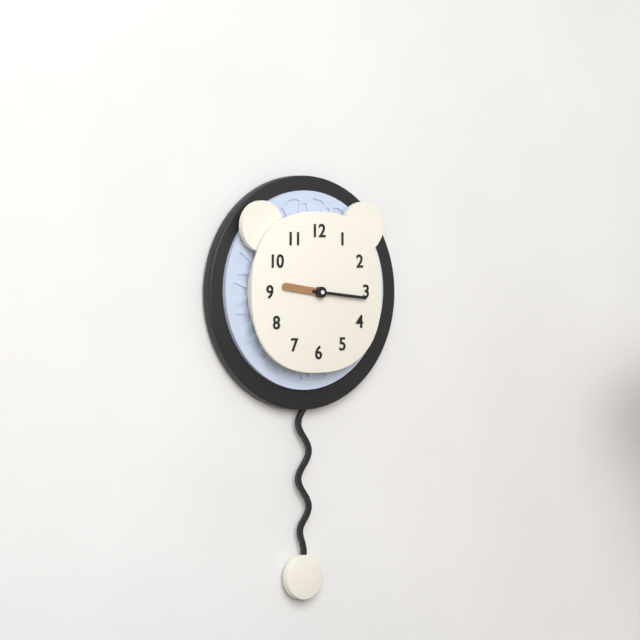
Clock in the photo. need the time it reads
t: 9:16
